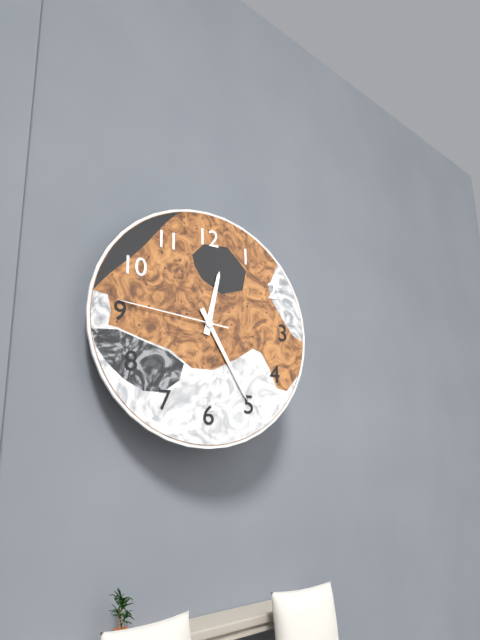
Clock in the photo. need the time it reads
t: 12:25:46
